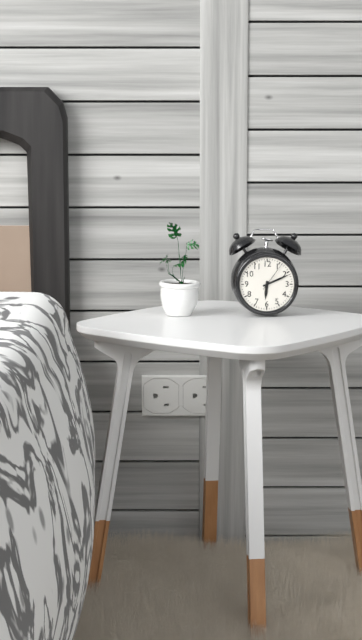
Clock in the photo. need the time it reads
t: 6:11
